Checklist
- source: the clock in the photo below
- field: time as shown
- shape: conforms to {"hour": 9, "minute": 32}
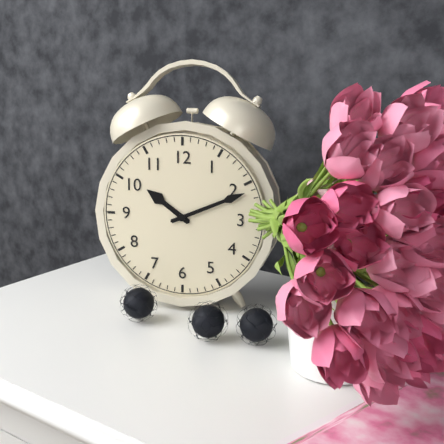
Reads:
{"hour": 10, "minute": 11}
